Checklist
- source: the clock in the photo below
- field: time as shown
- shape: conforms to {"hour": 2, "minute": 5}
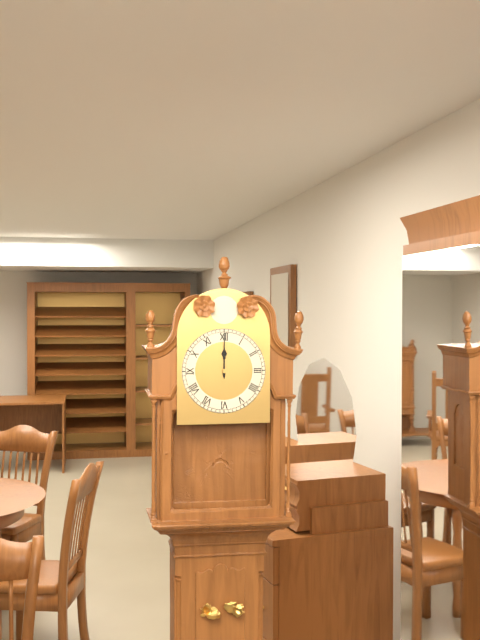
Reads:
{"hour": 12, "minute": 0}
